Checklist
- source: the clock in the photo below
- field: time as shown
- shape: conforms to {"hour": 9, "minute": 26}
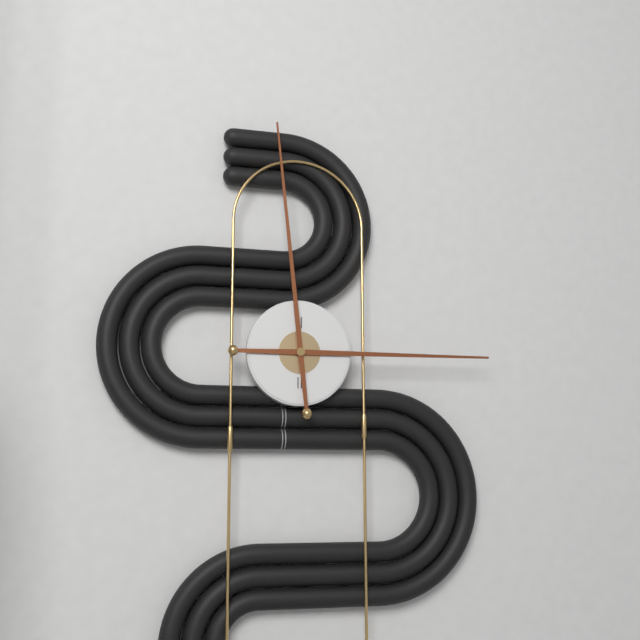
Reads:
{"hour": 2, "minute": 59}
